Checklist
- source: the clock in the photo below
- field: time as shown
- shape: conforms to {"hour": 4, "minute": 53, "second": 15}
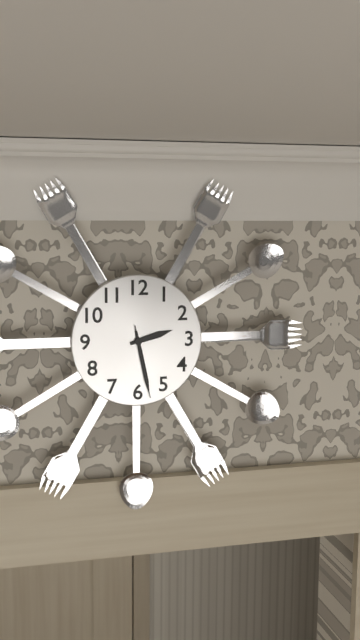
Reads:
{"hour": 2, "minute": 28, "second": 28}
